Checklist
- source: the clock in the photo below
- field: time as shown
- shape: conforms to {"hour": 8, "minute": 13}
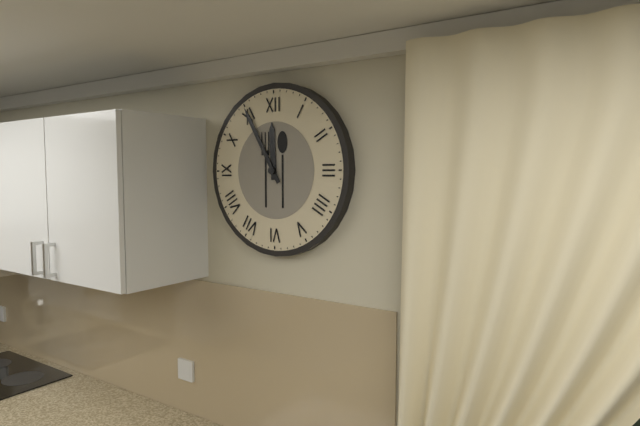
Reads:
{"hour": 11, "minute": 55}
